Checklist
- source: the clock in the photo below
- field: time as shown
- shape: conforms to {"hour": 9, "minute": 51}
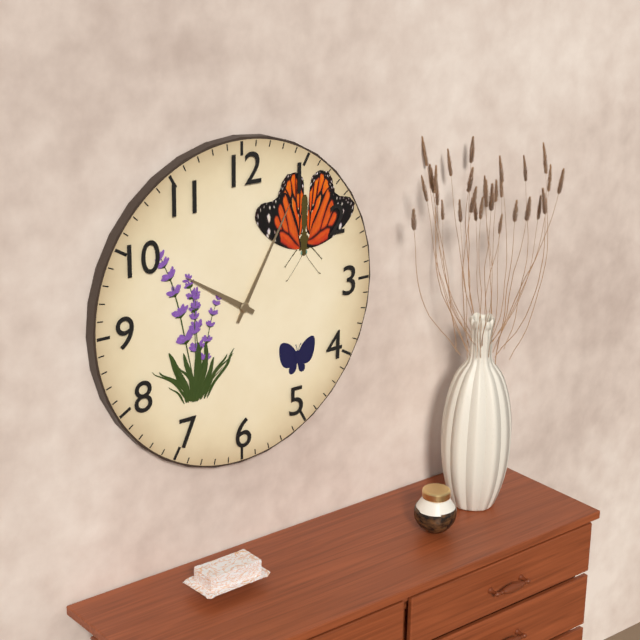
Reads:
{"hour": 10, "minute": 5}
